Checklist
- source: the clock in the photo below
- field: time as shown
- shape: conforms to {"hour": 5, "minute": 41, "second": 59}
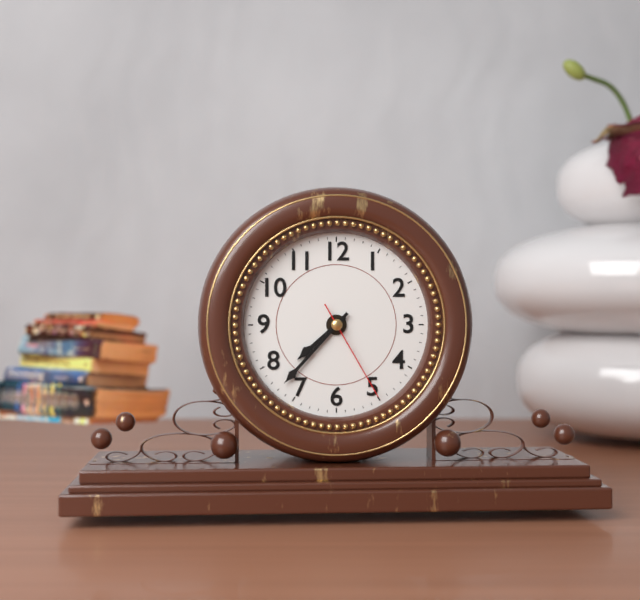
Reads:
{"hour": 7, "minute": 37, "second": 25}
